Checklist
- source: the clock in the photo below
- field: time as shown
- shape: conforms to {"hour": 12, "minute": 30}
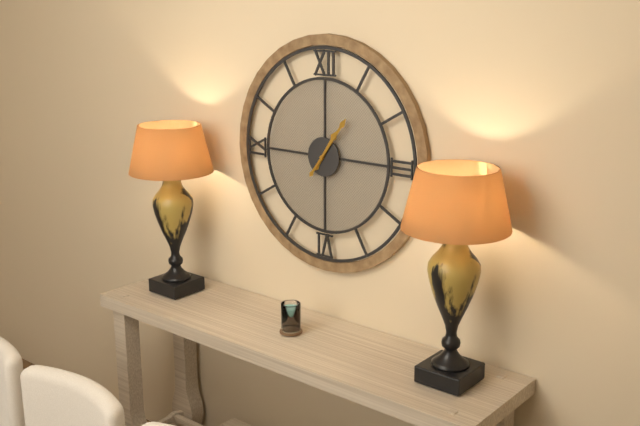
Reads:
{"hour": 1, "minute": 6}
